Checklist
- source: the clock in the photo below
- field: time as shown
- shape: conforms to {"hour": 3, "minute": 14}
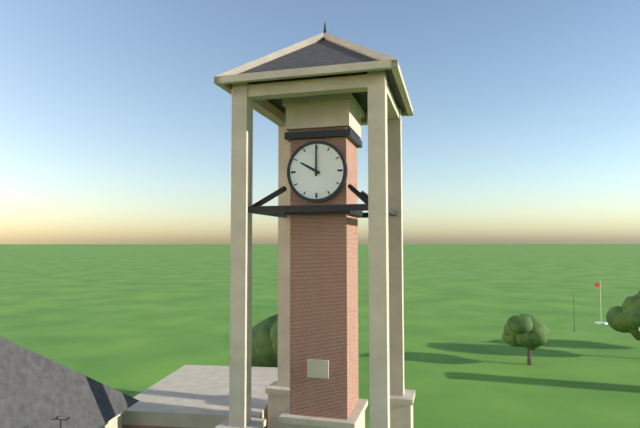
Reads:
{"hour": 10, "minute": 0}
